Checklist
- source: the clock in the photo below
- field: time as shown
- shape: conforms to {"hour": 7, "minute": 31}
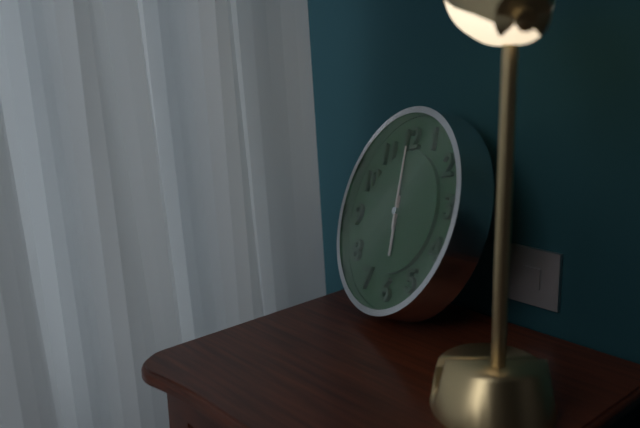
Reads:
{"hour": 6, "minute": 0}
